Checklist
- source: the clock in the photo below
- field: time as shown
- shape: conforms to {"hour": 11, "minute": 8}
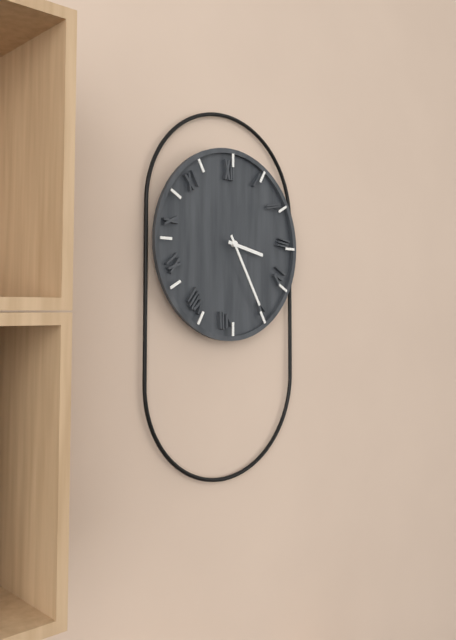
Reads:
{"hour": 3, "minute": 25}
